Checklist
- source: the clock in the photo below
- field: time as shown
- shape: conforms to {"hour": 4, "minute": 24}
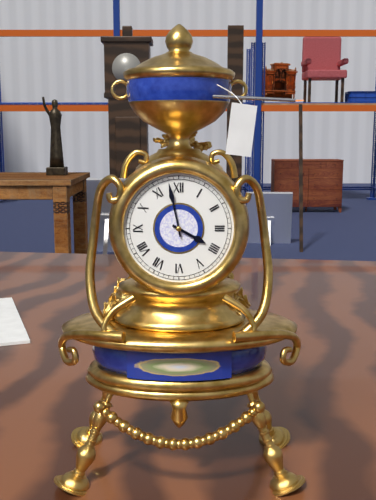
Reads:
{"hour": 3, "minute": 58}
